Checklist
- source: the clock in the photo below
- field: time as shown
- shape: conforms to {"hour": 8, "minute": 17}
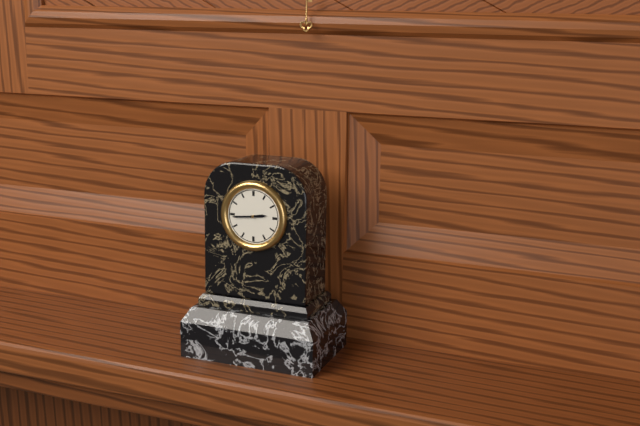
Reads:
{"hour": 2, "minute": 44}
